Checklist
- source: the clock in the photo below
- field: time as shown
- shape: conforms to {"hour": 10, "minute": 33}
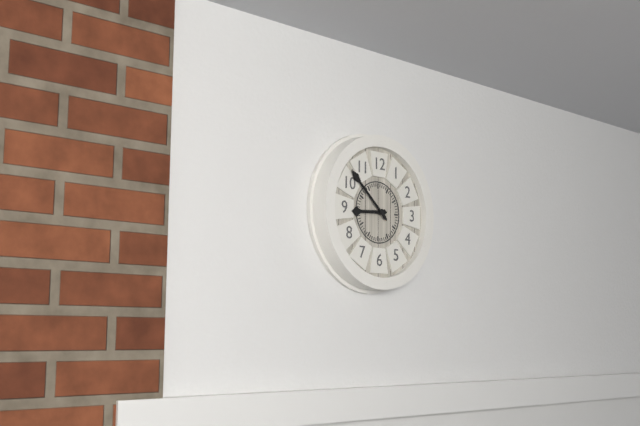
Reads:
{"hour": 8, "minute": 52}
